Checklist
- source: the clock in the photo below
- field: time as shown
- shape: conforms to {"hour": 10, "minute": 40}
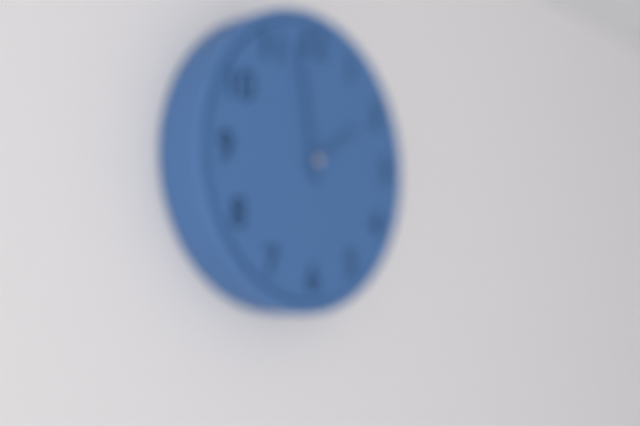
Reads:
{"hour": 1, "minute": 58}
